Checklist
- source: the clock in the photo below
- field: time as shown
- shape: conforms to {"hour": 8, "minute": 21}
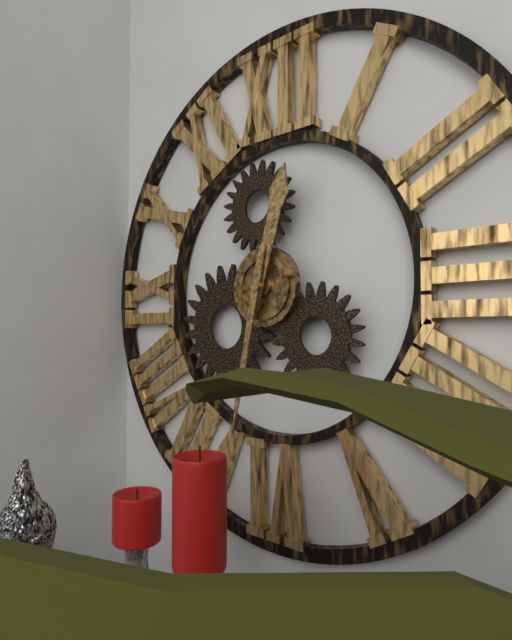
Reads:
{"hour": 12, "minute": 32}
